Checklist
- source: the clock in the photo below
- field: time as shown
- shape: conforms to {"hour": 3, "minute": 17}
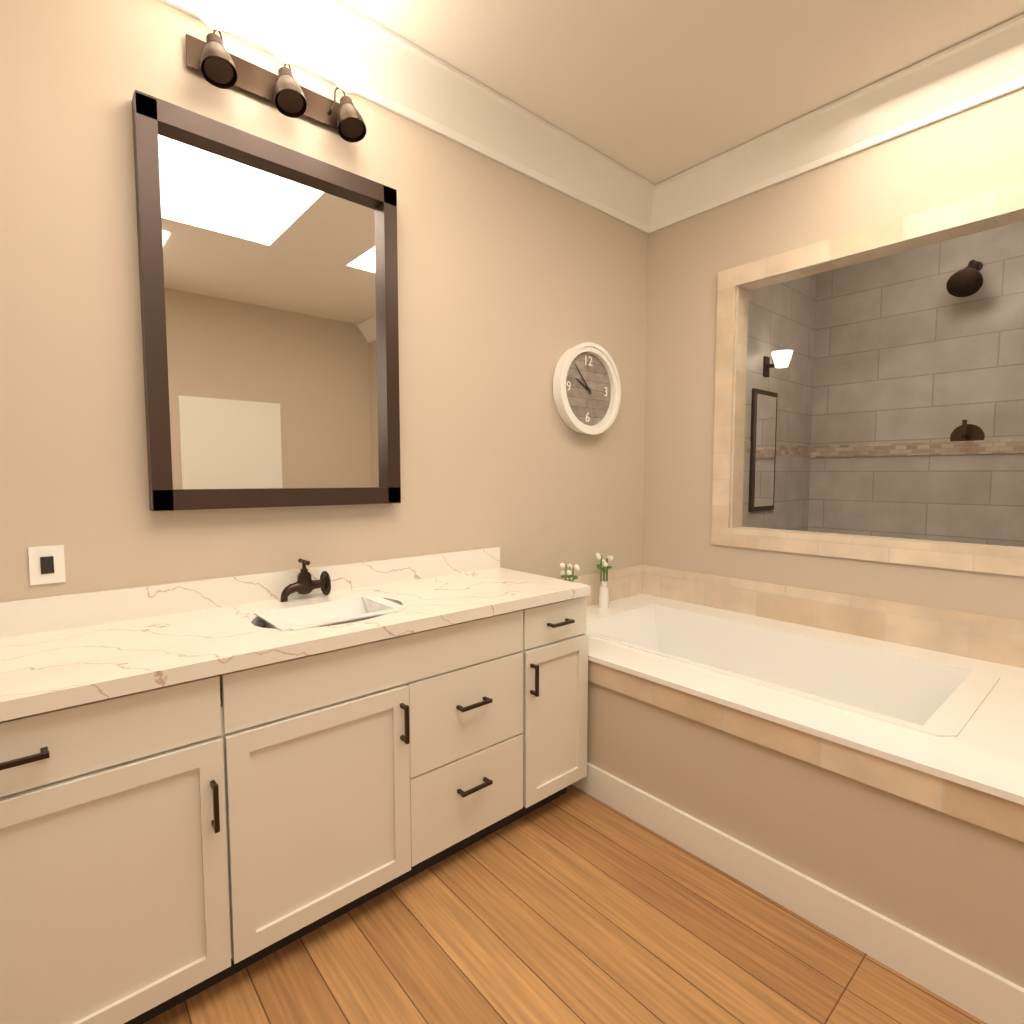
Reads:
{"hour": 9, "minute": 53}
